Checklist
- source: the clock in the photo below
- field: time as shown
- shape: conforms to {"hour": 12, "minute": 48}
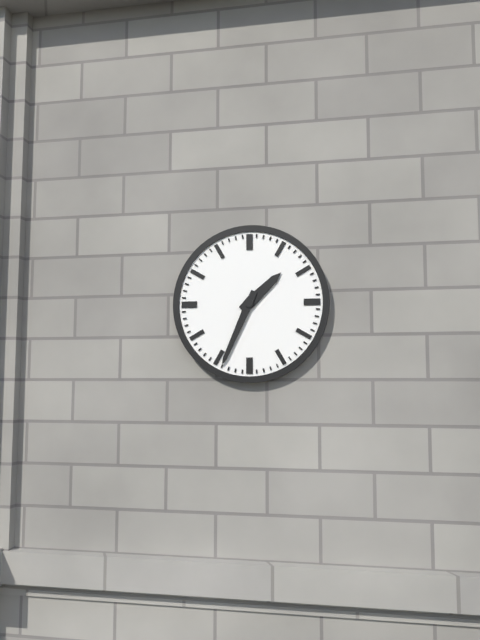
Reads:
{"hour": 1, "minute": 34}
